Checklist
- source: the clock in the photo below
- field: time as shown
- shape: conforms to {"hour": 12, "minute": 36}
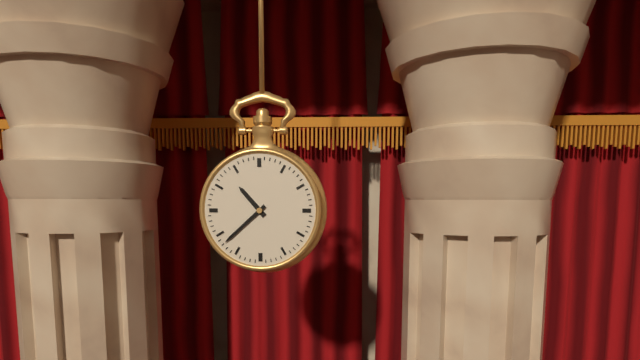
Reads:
{"hour": 10, "minute": 38}
